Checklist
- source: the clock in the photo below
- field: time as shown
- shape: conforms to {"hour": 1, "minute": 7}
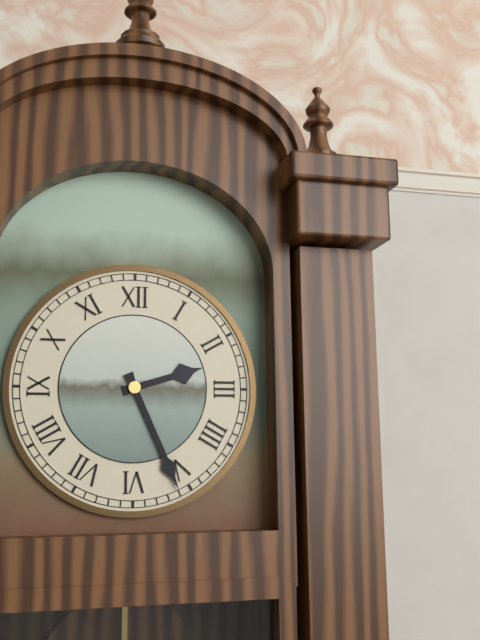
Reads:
{"hour": 2, "minute": 26}
